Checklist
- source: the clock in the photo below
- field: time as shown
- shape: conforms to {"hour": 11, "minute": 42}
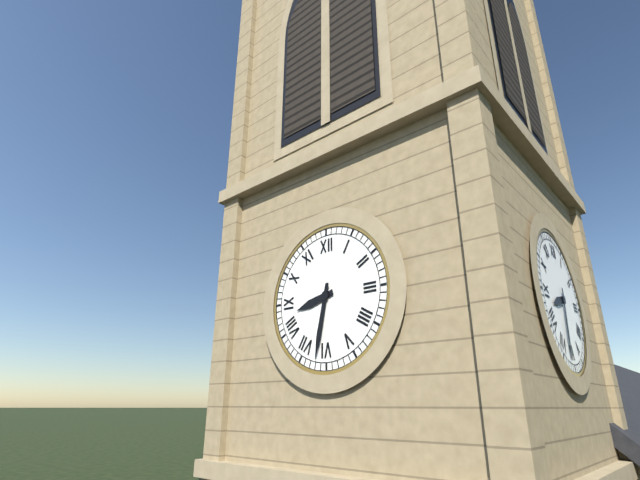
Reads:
{"hour": 8, "minute": 32}
